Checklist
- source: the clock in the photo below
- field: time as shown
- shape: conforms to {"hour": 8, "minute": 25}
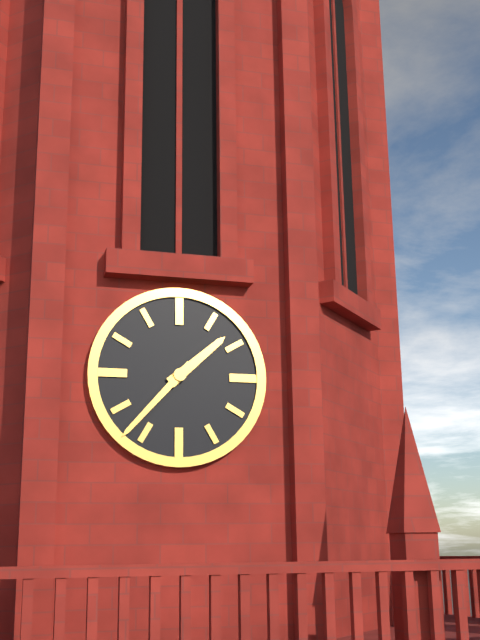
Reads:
{"hour": 1, "minute": 37}
